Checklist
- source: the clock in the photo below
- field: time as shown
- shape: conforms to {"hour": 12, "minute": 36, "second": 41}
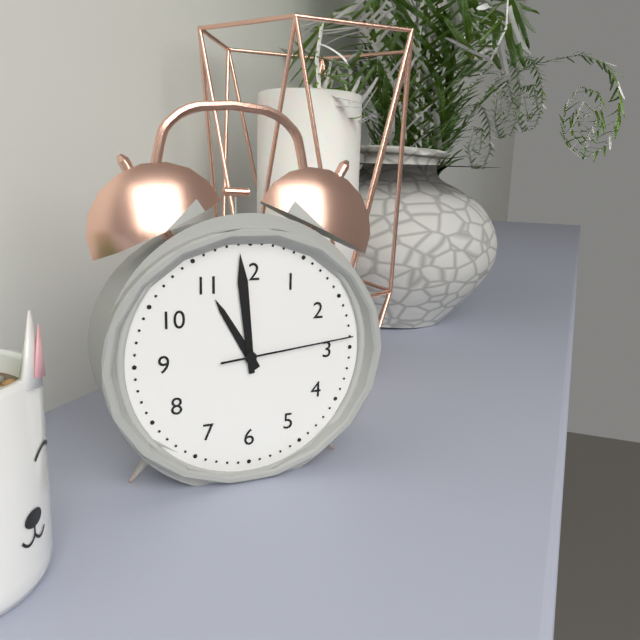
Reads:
{"hour": 10, "minute": 59, "second": 14}
